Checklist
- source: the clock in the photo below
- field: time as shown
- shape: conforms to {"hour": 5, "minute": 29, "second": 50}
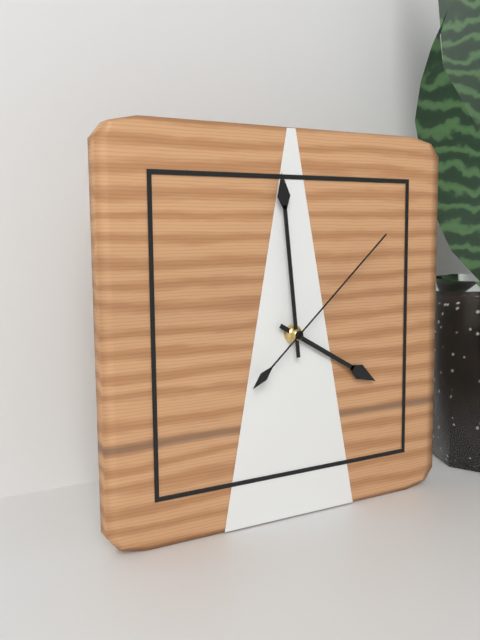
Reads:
{"hour": 3, "minute": 59, "second": 8}
